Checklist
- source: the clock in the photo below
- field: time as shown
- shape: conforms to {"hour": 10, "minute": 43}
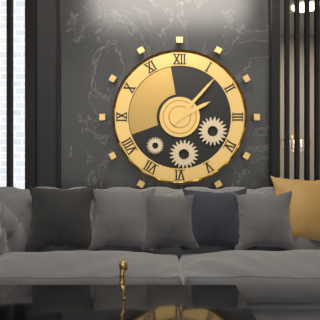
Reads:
{"hour": 2, "minute": 7}
